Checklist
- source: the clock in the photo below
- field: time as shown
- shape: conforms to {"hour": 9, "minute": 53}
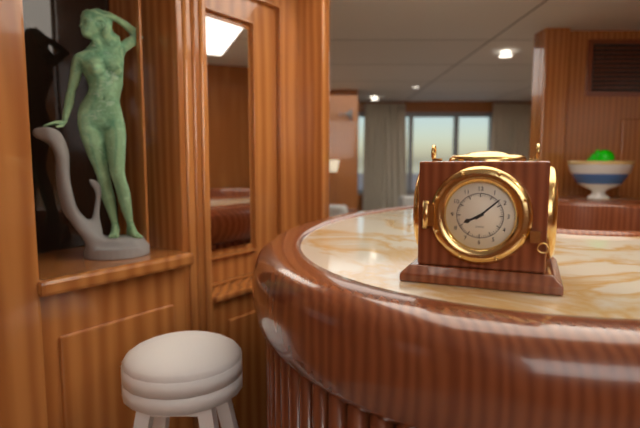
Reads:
{"hour": 8, "minute": 8}
